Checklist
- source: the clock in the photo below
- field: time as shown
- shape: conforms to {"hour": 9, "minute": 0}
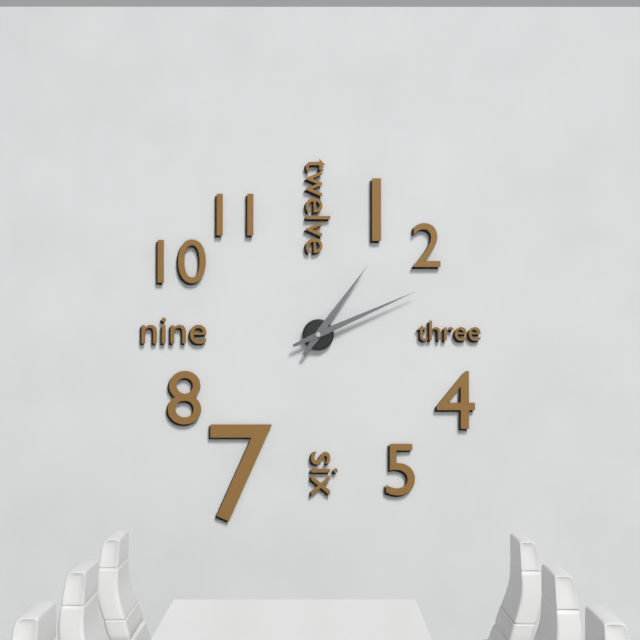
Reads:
{"hour": 1, "minute": 11}
